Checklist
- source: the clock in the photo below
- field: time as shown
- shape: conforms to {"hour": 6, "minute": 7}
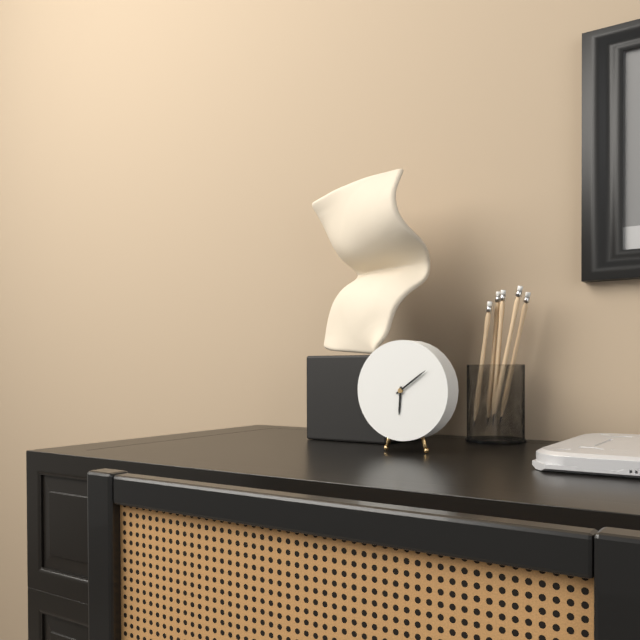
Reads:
{"hour": 6, "minute": 9}
